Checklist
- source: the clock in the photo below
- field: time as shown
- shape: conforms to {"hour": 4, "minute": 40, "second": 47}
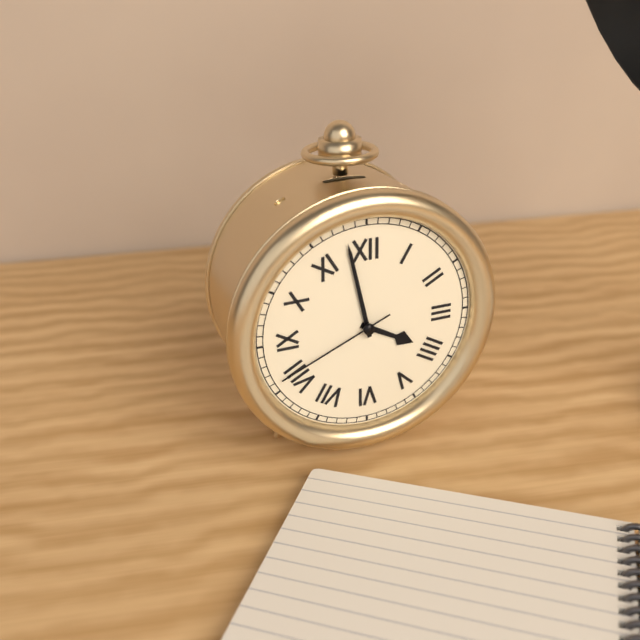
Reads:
{"hour": 3, "minute": 58, "second": 41}
